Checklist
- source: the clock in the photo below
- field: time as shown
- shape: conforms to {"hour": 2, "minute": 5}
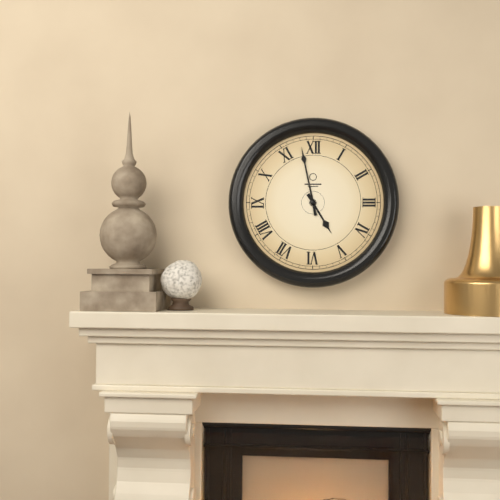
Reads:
{"hour": 4, "minute": 58}
